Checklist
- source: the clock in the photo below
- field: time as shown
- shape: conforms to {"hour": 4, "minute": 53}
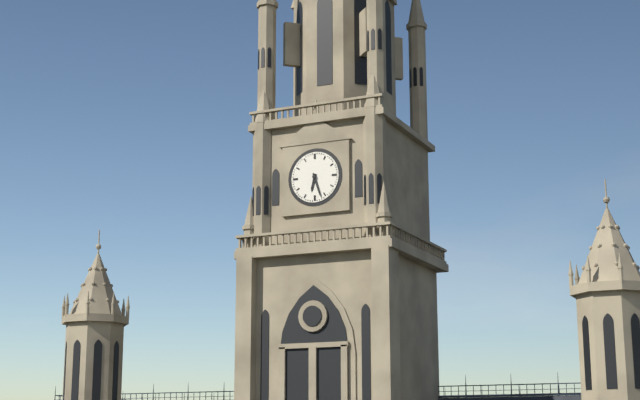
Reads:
{"hour": 6, "minute": 27}
